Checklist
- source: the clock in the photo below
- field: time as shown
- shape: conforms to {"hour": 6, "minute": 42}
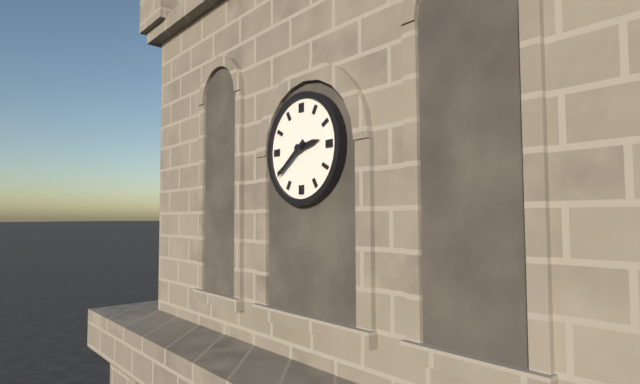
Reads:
{"hour": 2, "minute": 39}
